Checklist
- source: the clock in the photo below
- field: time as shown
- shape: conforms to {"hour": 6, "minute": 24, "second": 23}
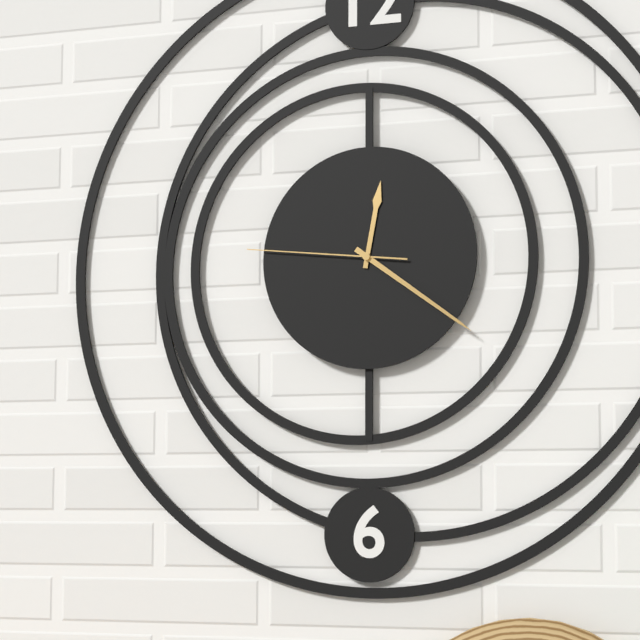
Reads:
{"hour": 12, "minute": 21, "second": 46}
